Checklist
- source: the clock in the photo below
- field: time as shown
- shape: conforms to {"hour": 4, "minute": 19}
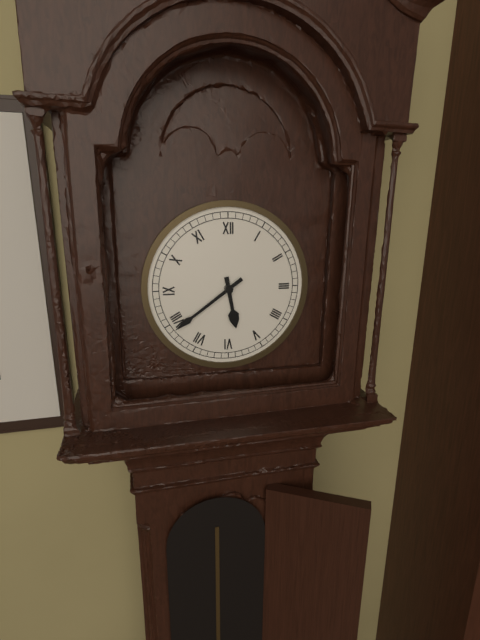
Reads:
{"hour": 5, "minute": 39}
